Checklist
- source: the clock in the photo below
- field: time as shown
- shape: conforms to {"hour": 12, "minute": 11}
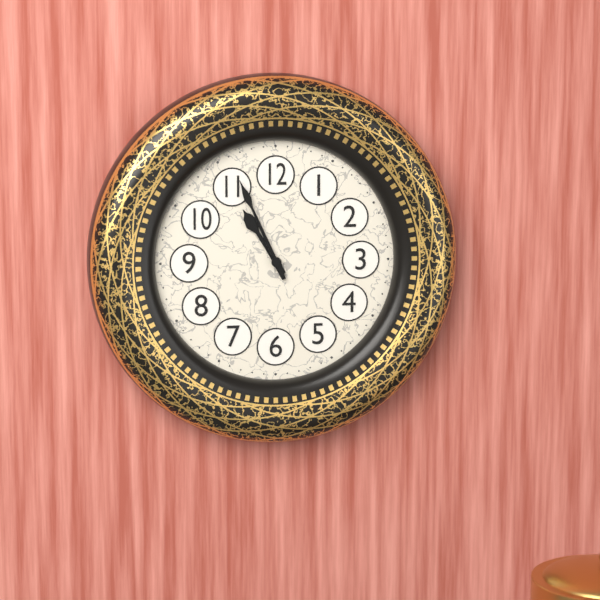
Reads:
{"hour": 10, "minute": 56}
